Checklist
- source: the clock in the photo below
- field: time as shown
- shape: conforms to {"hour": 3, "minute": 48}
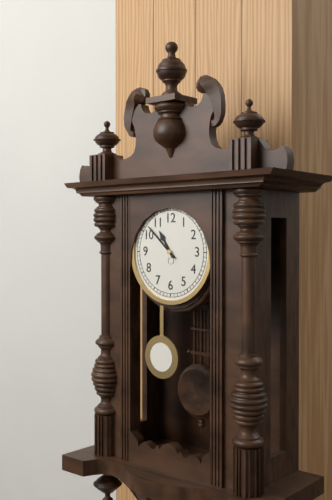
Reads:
{"hour": 10, "minute": 52}
